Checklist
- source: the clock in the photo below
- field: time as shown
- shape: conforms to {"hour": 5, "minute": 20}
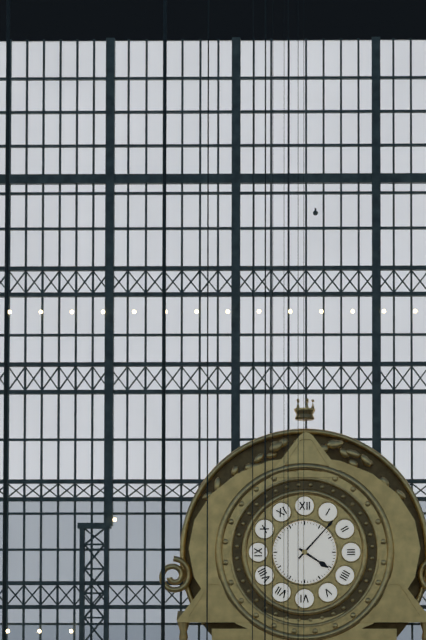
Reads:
{"hour": 4, "minute": 7}
